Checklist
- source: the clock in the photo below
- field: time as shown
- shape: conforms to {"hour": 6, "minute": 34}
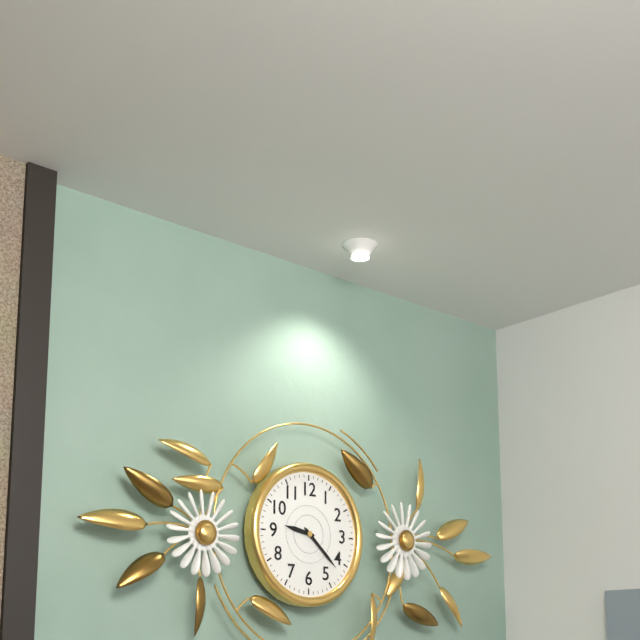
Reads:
{"hour": 9, "minute": 22}
